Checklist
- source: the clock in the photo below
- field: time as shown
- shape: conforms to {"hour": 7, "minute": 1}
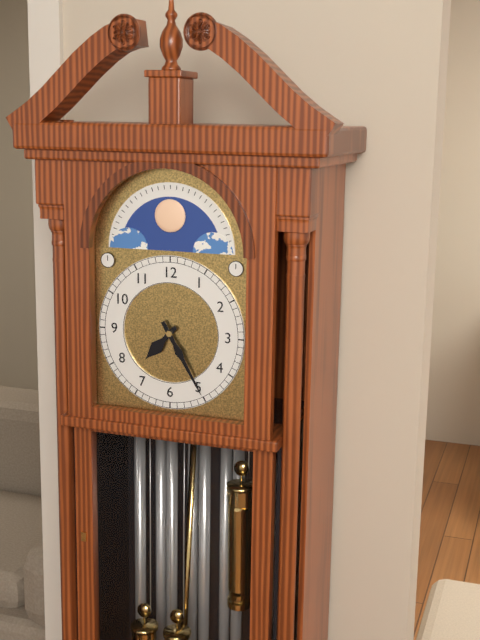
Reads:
{"hour": 7, "minute": 25}
